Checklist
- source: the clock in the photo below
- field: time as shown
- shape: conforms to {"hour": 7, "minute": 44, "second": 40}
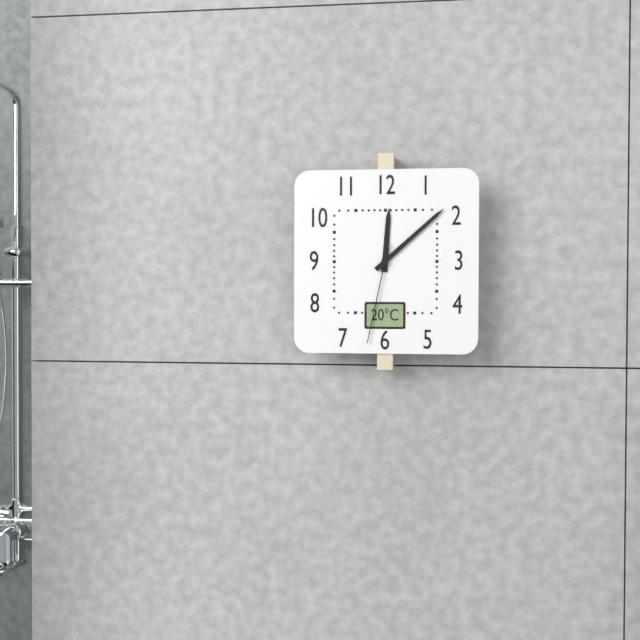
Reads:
{"hour": 12, "minute": 8, "second": 32}
